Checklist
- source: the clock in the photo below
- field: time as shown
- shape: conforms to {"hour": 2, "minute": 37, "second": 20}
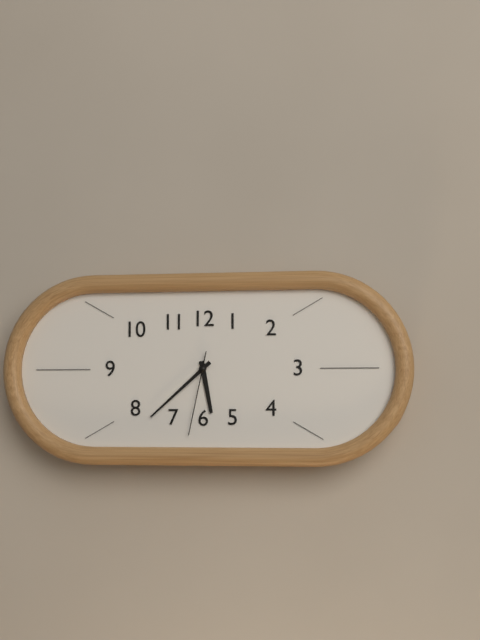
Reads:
{"hour": 5, "minute": 38, "second": 32}
